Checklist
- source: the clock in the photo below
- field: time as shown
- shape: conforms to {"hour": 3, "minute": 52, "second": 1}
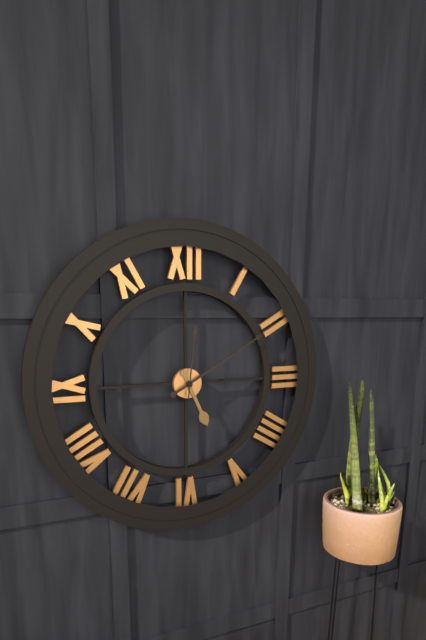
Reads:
{"hour": 5, "minute": 10, "second": 1}
